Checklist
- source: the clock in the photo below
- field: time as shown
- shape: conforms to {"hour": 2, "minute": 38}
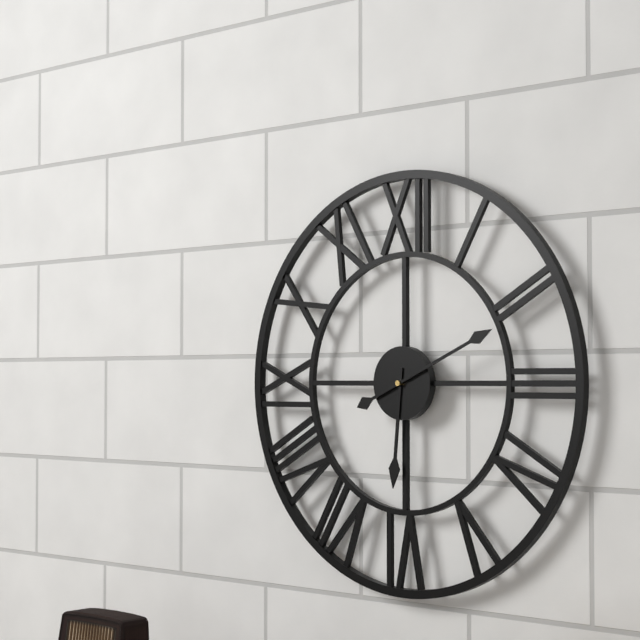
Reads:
{"hour": 6, "minute": 11}
